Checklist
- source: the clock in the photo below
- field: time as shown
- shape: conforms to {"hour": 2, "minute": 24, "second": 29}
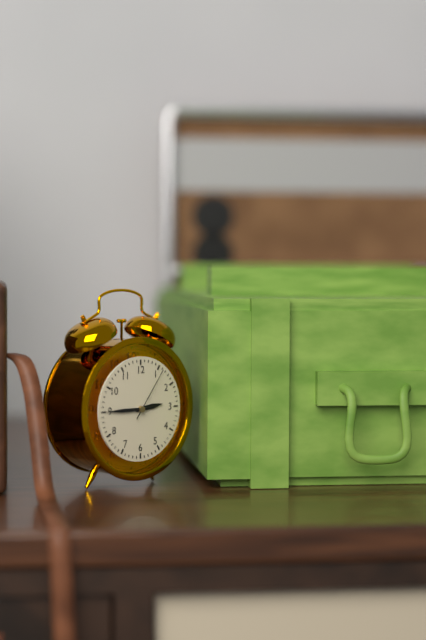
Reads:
{"hour": 2, "minute": 45, "second": 6}
